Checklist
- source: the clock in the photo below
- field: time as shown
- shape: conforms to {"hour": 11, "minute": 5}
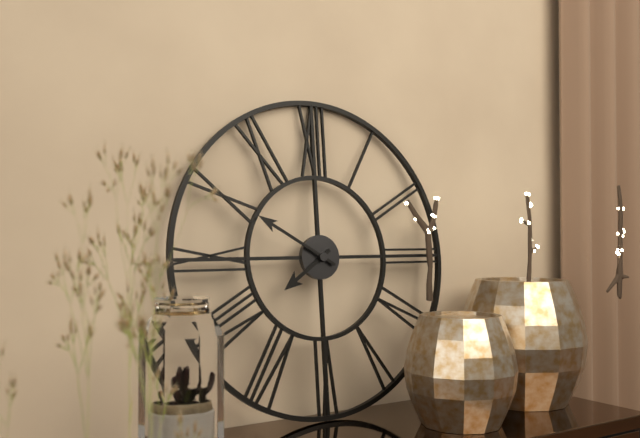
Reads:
{"hour": 7, "minute": 50}
